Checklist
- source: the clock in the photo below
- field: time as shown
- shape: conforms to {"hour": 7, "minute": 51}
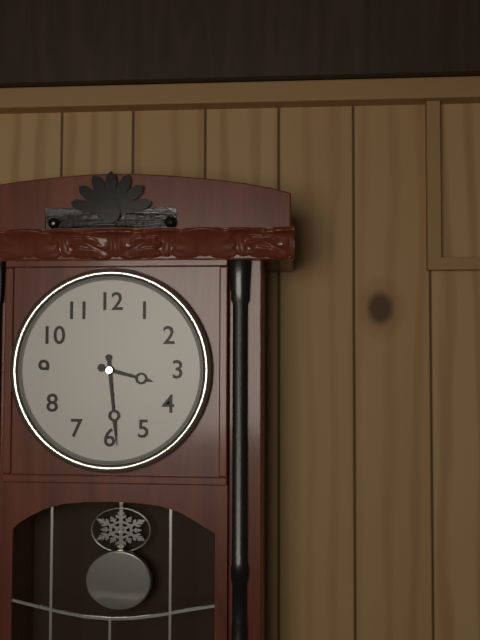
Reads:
{"hour": 3, "minute": 29}
